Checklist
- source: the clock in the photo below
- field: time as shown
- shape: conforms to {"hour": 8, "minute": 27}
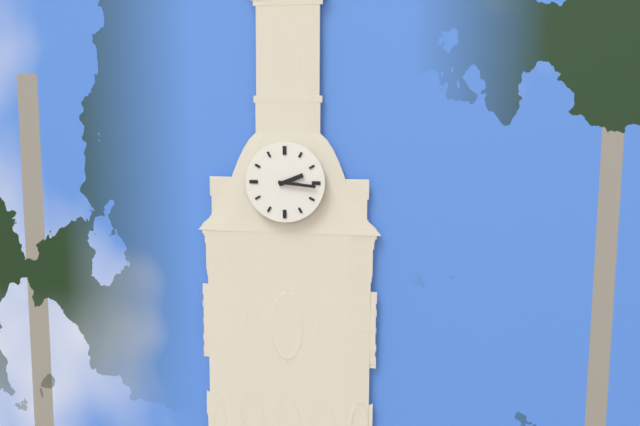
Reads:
{"hour": 2, "minute": 16}
